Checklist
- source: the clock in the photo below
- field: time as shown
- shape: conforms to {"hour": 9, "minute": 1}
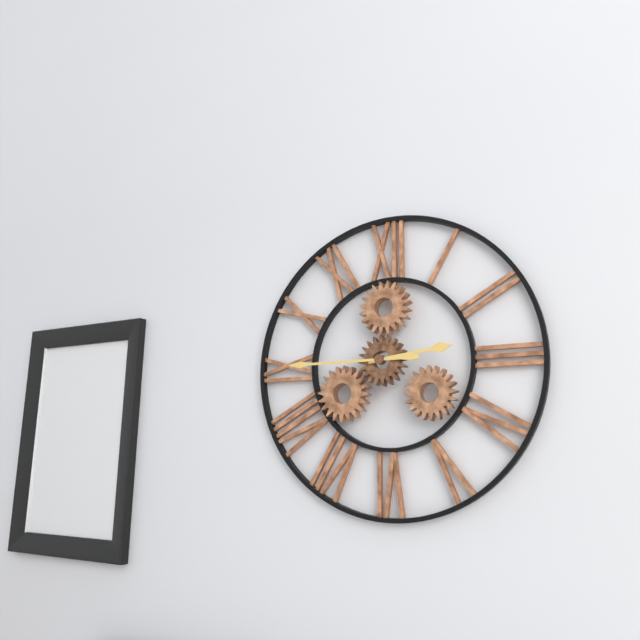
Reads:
{"hour": 2, "minute": 45}
